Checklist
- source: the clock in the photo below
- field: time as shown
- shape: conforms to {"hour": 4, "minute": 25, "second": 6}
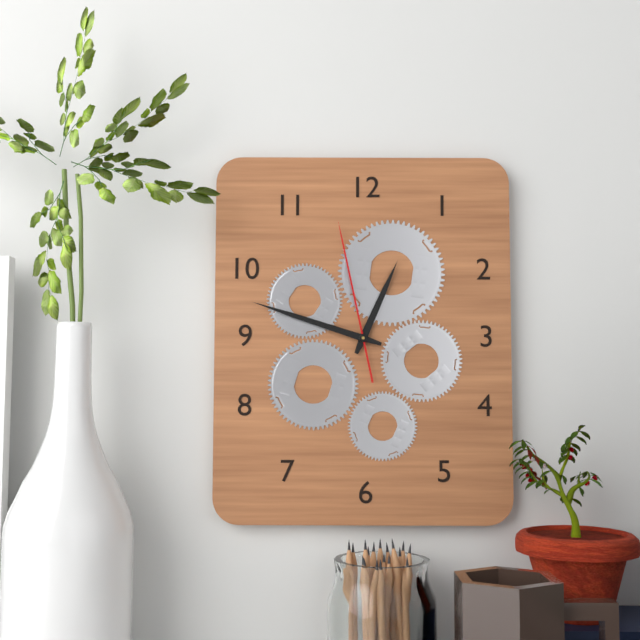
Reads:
{"hour": 12, "minute": 48, "second": 58}
